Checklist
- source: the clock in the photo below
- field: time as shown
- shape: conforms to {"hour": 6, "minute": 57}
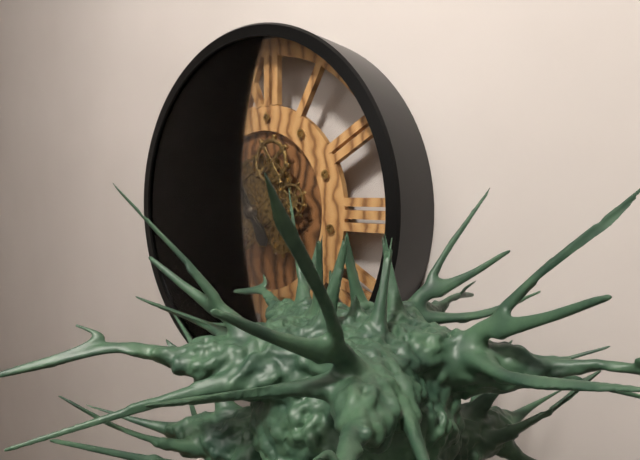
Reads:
{"hour": 10, "minute": 54}
